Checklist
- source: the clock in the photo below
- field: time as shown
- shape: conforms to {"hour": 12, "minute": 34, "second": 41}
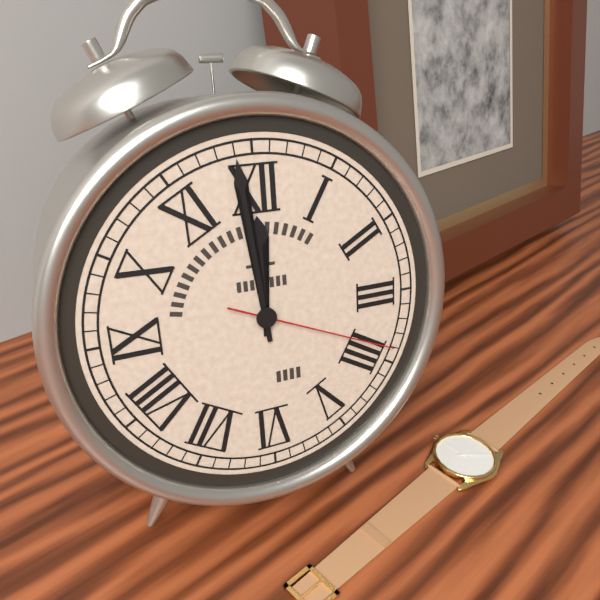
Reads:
{"hour": 11, "minute": 59, "second": 19}
